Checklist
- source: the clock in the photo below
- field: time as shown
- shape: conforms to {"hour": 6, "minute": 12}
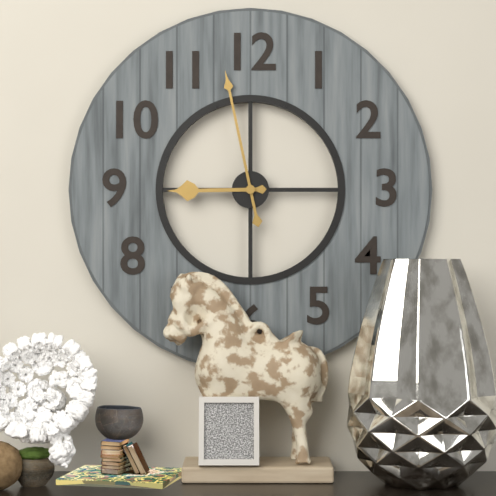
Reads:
{"hour": 8, "minute": 58}
